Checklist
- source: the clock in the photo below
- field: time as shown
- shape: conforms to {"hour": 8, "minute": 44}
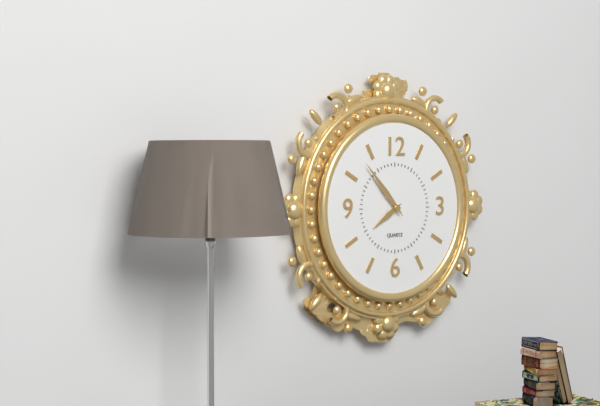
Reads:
{"hour": 7, "minute": 53}
